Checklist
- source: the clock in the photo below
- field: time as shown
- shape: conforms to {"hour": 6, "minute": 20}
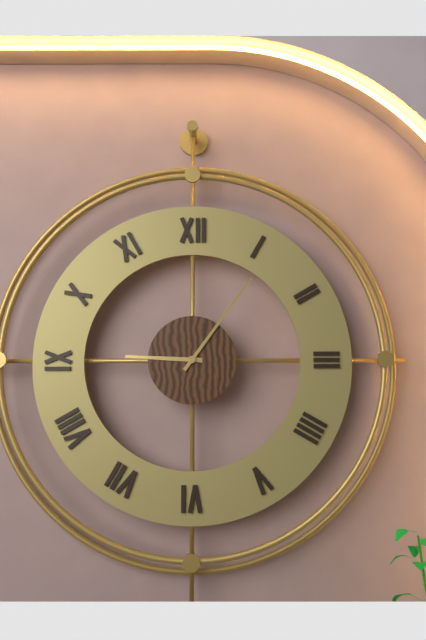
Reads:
{"hour": 9, "minute": 6}
